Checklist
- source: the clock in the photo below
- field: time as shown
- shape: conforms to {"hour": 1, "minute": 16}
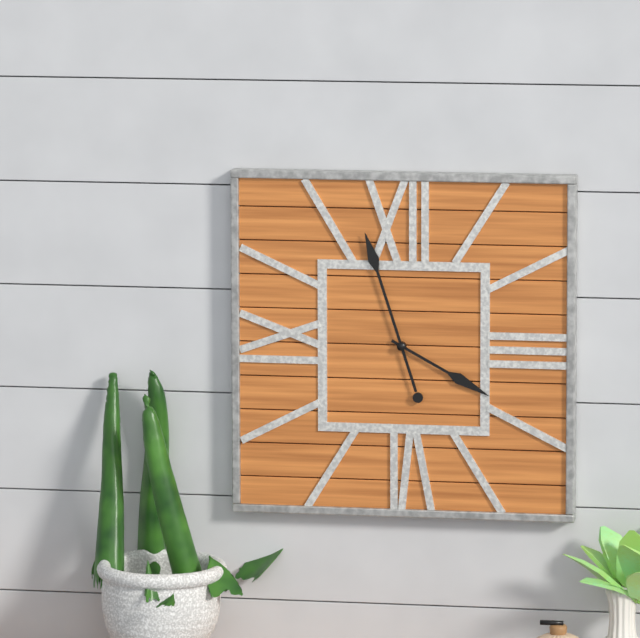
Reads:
{"hour": 3, "minute": 57}
